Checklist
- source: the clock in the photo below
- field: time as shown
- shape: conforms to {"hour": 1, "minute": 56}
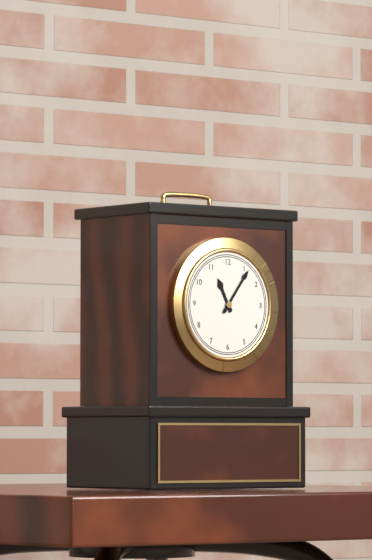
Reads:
{"hour": 11, "minute": 6}
